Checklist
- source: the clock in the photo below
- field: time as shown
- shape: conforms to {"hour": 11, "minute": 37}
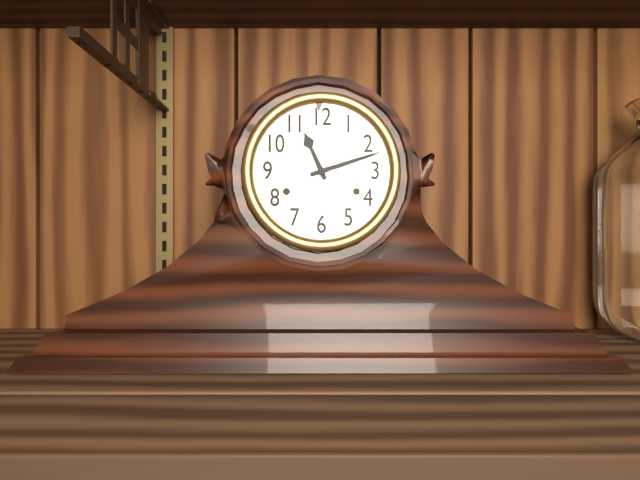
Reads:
{"hour": 11, "minute": 12}
